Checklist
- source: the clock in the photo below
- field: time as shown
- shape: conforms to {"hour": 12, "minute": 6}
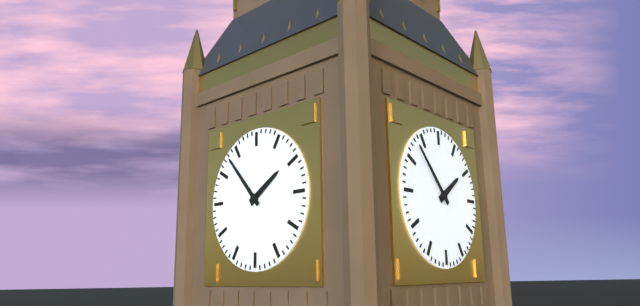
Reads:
{"hour": 1, "minute": 53}
